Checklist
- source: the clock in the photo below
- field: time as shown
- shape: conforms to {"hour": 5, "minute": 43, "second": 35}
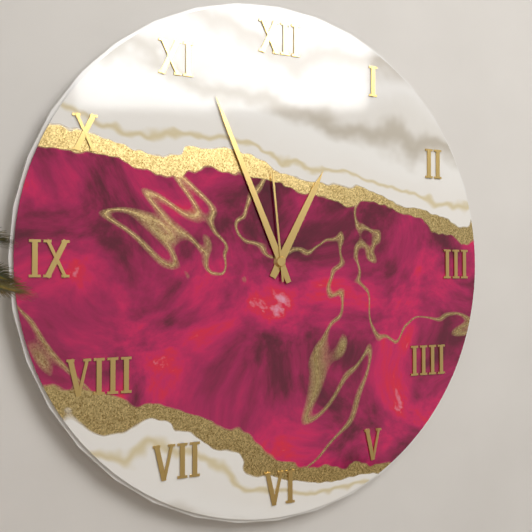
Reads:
{"hour": 12, "minute": 56, "second": 59}
